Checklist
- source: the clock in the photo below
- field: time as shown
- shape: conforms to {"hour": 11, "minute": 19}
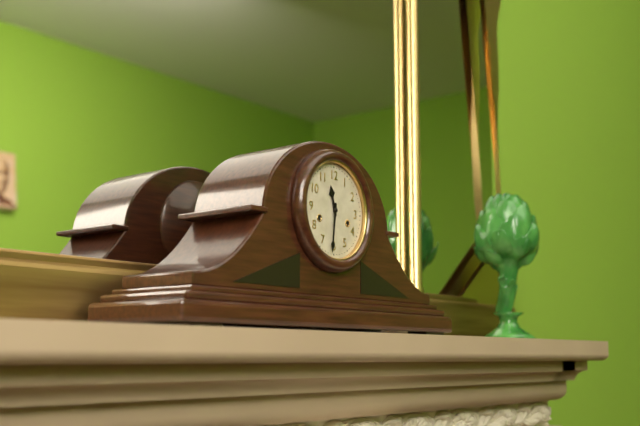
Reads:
{"hour": 11, "minute": 31}
